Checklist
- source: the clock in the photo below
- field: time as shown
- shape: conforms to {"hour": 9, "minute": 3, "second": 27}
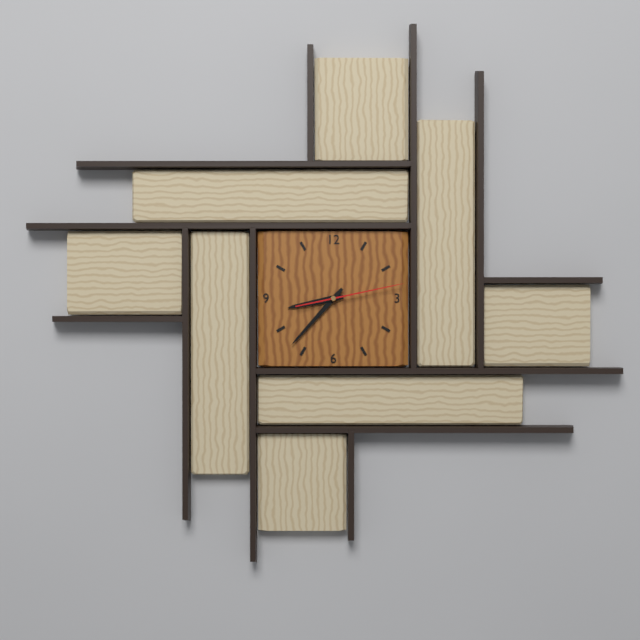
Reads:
{"hour": 8, "minute": 37, "second": 13}
